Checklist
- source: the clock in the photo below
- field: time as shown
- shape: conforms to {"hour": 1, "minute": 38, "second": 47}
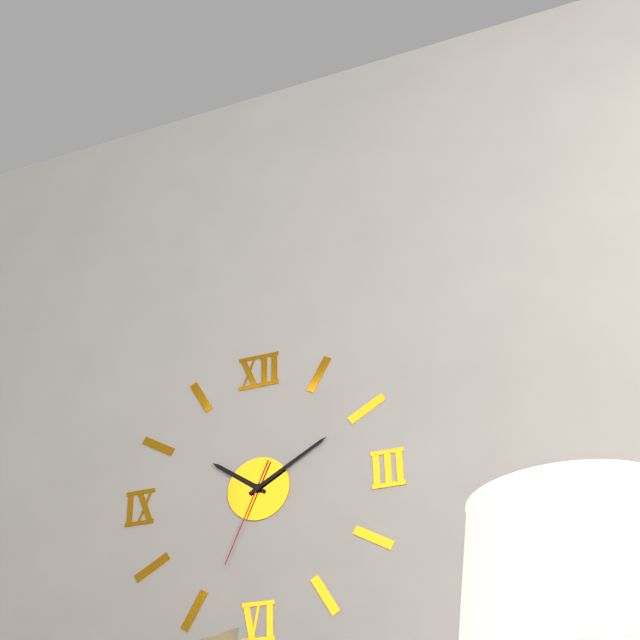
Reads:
{"hour": 10, "minute": 10, "second": 34}
